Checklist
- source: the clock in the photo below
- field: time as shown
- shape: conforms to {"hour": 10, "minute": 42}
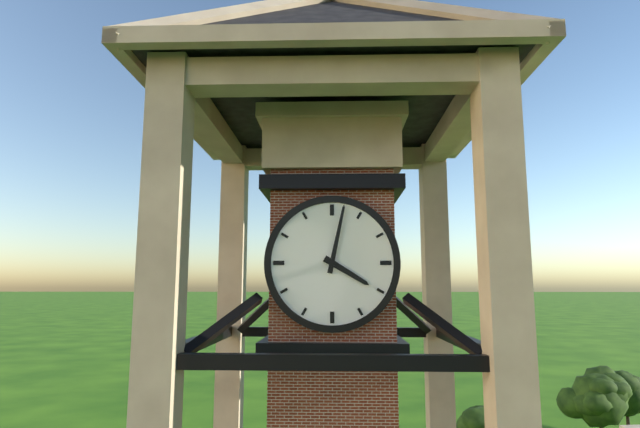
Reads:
{"hour": 4, "minute": 2}
